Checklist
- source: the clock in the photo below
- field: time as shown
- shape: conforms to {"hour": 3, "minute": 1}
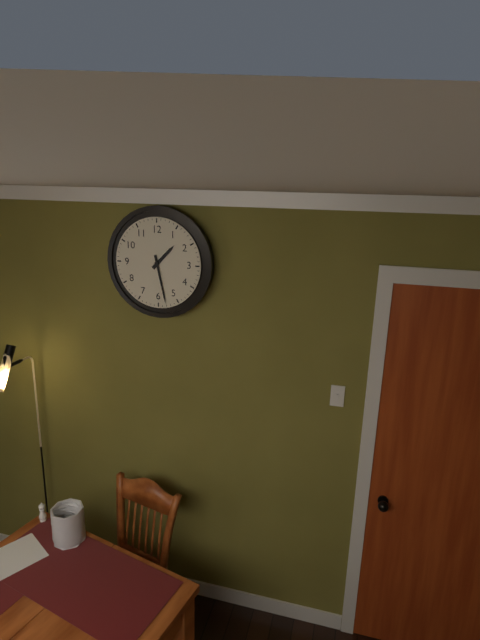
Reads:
{"hour": 1, "minute": 28}
